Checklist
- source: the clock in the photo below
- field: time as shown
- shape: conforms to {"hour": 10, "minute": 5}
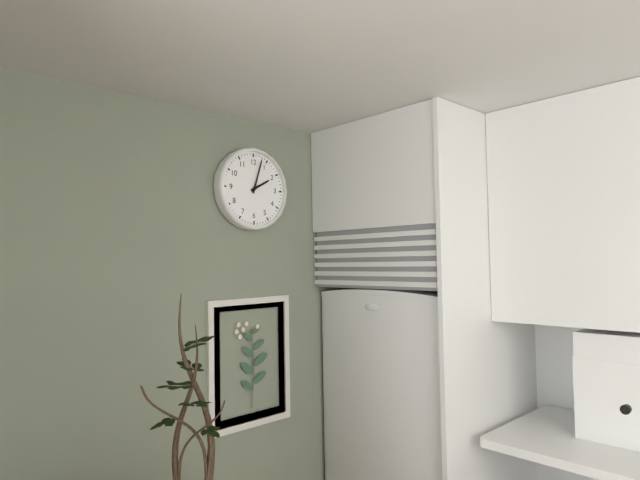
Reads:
{"hour": 2, "minute": 3}
